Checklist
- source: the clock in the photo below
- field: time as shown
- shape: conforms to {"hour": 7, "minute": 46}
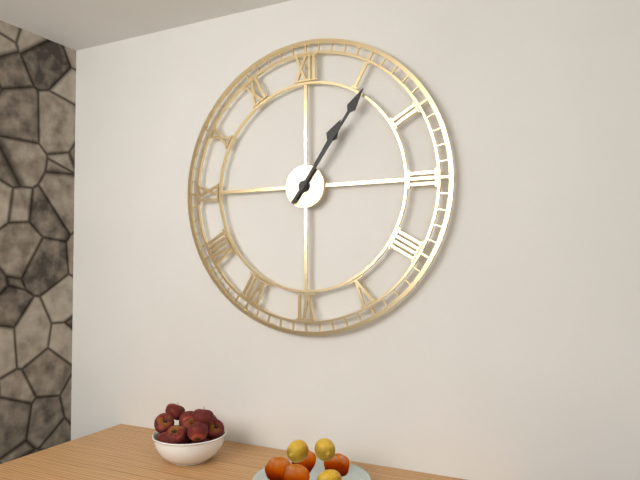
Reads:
{"hour": 1, "minute": 6}
